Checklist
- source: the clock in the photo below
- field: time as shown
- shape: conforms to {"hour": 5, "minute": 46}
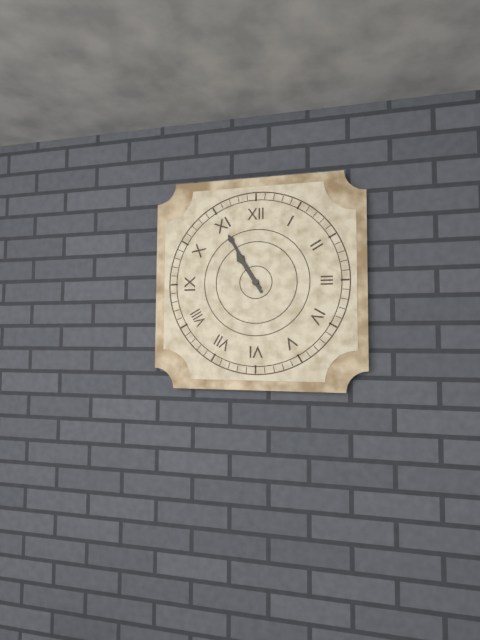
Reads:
{"hour": 10, "minute": 55}
